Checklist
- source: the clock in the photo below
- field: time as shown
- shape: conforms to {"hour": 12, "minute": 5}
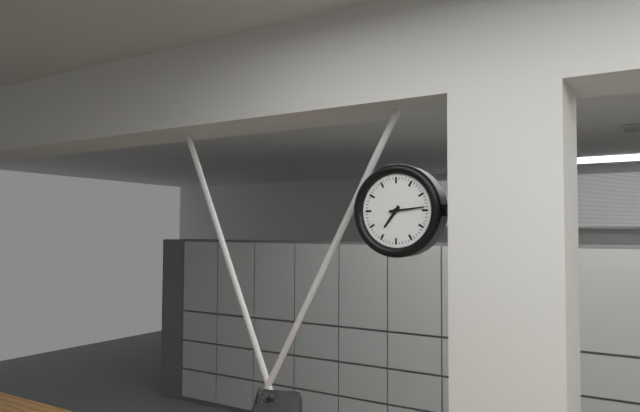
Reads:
{"hour": 7, "minute": 14}
